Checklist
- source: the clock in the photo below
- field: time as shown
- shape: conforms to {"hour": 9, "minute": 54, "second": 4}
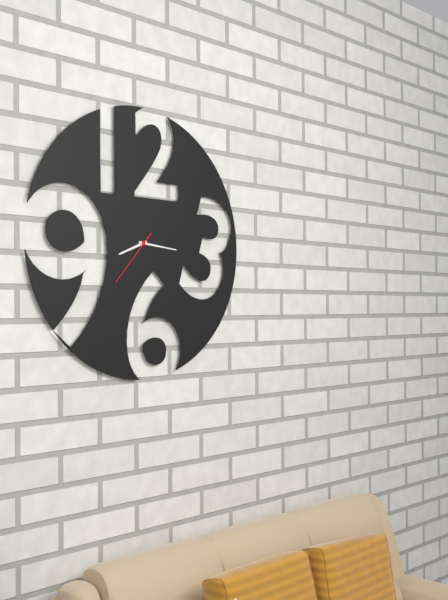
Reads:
{"hour": 8, "minute": 16, "second": 37}
